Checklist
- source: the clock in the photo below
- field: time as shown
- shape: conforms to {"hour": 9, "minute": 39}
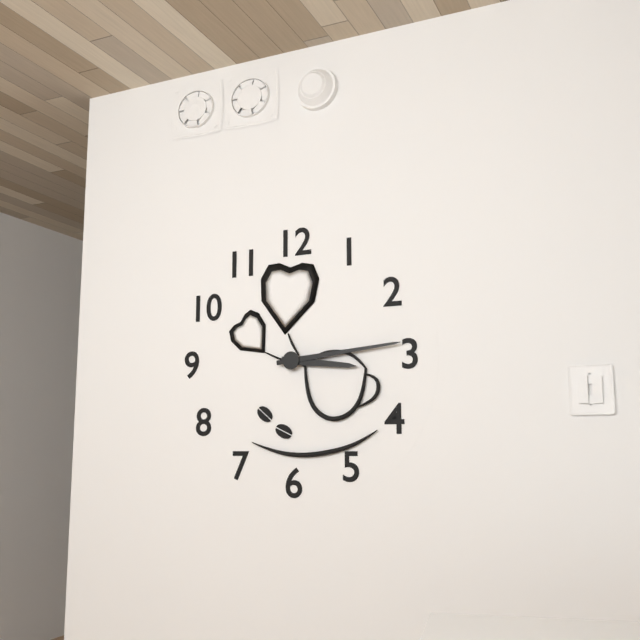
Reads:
{"hour": 3, "minute": 14}
